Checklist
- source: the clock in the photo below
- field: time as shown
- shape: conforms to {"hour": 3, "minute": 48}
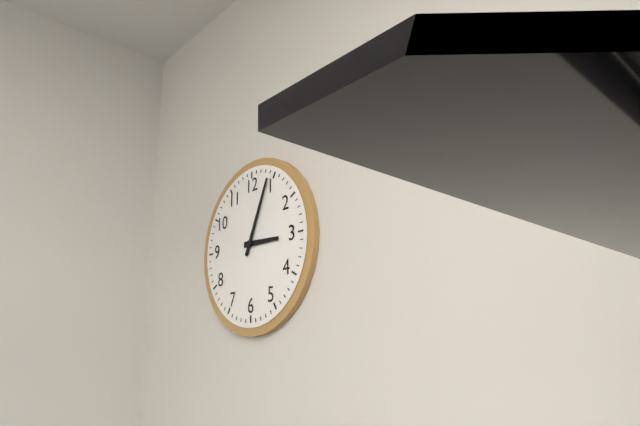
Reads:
{"hour": 3, "minute": 4}
